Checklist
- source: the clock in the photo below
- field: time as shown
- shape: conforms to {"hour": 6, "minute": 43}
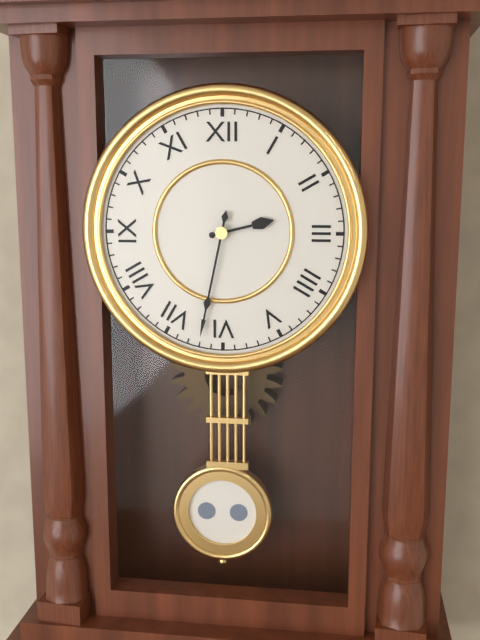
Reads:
{"hour": 2, "minute": 32}
